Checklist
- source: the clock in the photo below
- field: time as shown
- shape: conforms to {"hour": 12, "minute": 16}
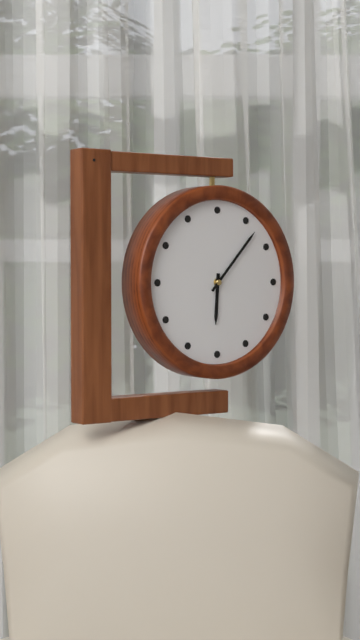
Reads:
{"hour": 6, "minute": 7}
